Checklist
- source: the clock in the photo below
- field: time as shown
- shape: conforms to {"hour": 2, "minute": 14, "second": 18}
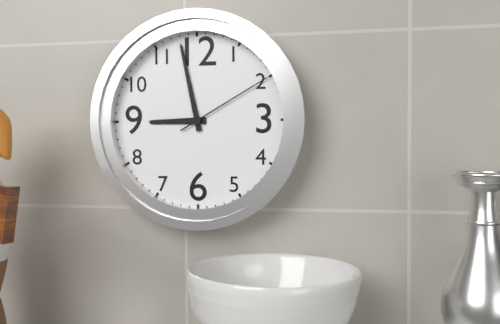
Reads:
{"hour": 8, "minute": 58, "second": 10}
